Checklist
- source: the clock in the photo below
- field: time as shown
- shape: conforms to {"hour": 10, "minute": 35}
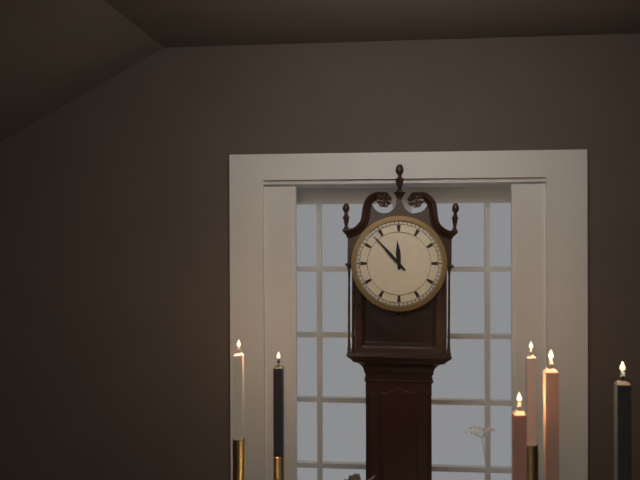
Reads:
{"hour": 11, "minute": 53}
